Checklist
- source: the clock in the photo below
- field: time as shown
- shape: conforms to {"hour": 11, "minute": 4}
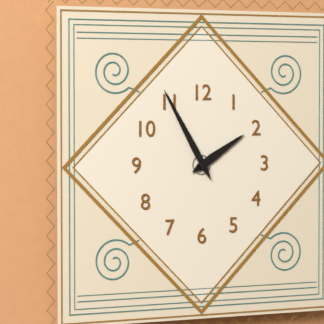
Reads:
{"hour": 1, "minute": 55}
